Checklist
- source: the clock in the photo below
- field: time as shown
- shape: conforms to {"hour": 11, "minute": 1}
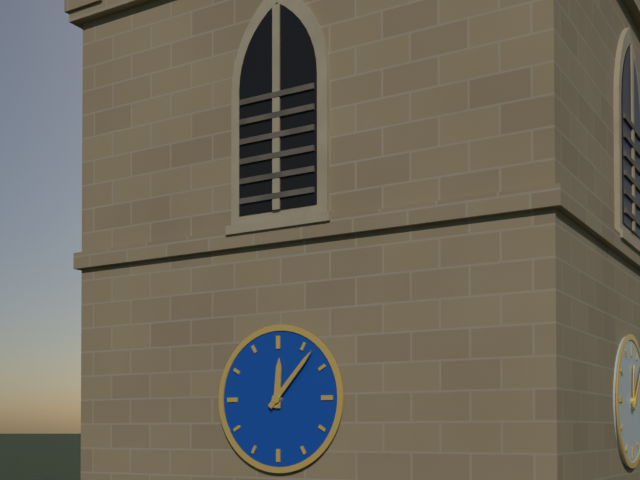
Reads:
{"hour": 12, "minute": 7}
